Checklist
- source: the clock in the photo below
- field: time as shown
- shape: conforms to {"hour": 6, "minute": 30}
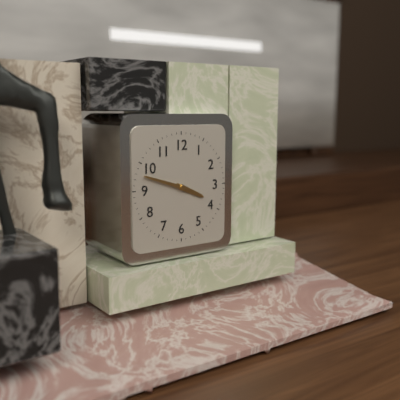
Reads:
{"hour": 3, "minute": 48}
